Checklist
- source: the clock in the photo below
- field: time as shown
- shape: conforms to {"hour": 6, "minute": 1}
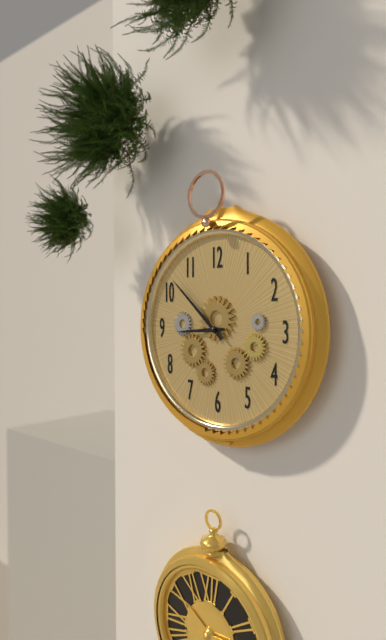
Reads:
{"hour": 8, "minute": 52}
